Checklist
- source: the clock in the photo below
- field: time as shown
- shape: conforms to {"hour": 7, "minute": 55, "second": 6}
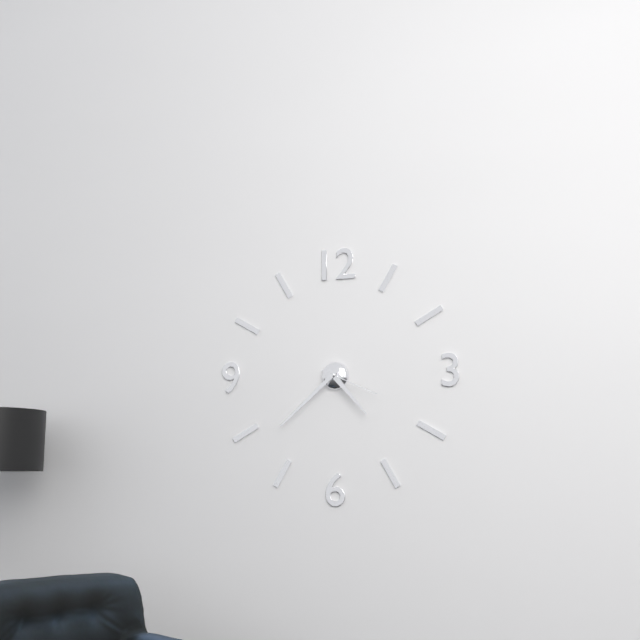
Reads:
{"hour": 4, "minute": 38, "second": 19}
